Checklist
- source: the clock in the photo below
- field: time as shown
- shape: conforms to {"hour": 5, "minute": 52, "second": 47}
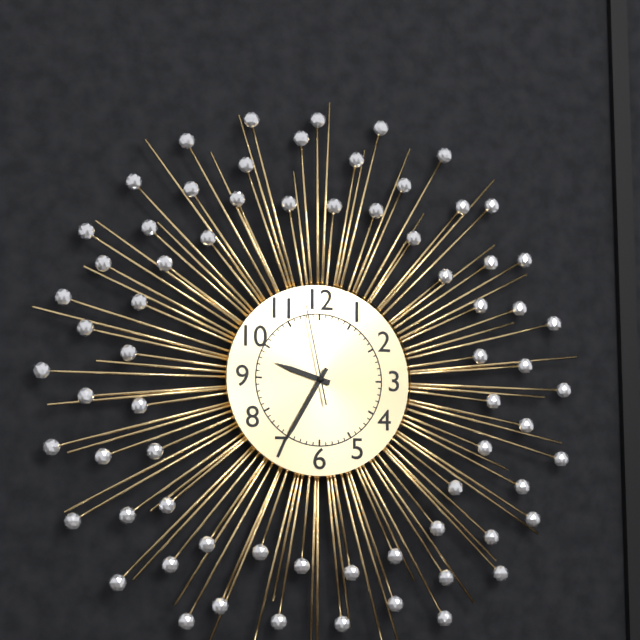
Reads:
{"hour": 9, "minute": 35, "second": 58}
